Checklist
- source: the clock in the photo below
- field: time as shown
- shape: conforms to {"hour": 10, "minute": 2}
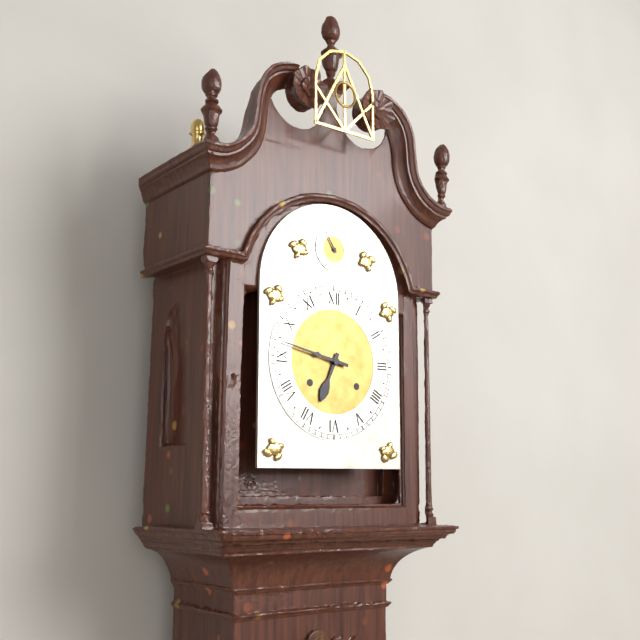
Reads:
{"hour": 6, "minute": 47}
